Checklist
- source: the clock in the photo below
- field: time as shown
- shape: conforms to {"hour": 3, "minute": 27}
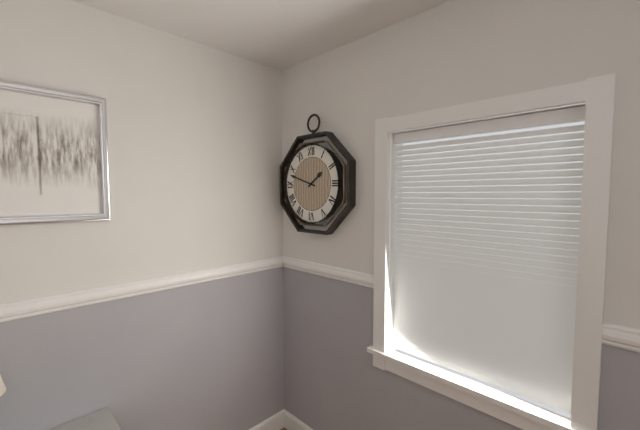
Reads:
{"hour": 1, "minute": 48}
